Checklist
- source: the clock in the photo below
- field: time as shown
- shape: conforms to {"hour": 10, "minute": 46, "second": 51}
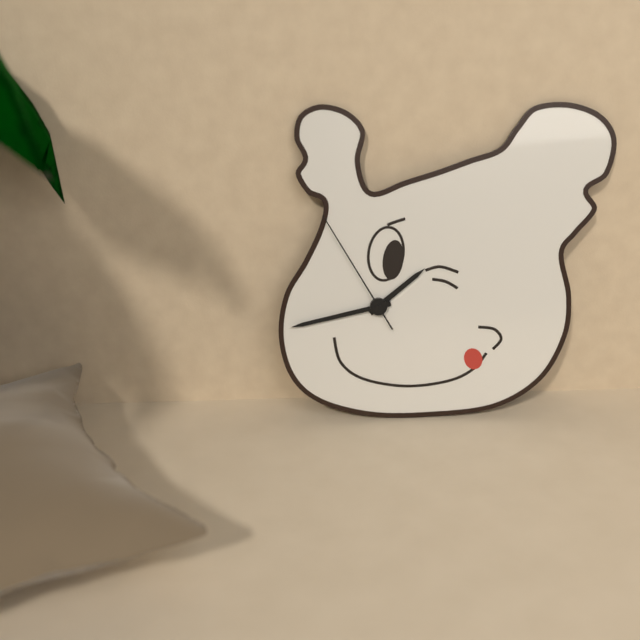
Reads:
{"hour": 1, "minute": 43, "second": 55}
